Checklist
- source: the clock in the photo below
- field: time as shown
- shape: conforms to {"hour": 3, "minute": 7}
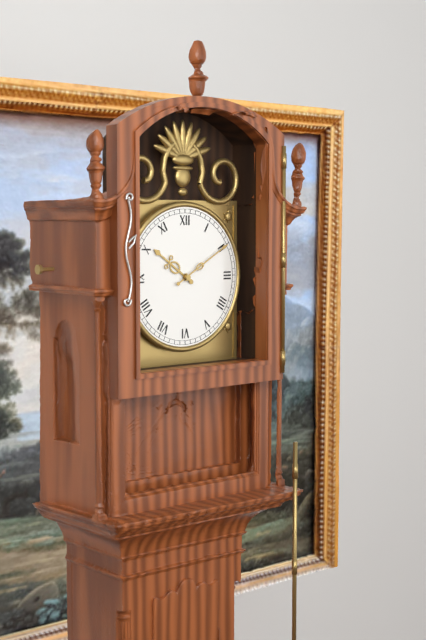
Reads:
{"hour": 10, "minute": 10}
